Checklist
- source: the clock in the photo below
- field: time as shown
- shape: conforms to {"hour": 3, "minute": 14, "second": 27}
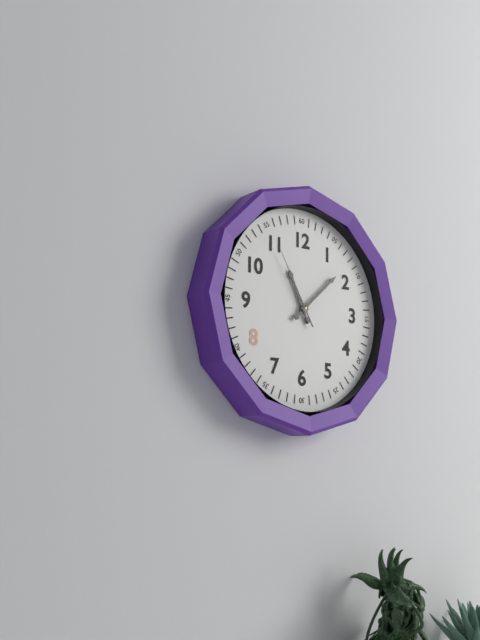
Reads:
{"hour": 11, "minute": 8, "second": 55}
